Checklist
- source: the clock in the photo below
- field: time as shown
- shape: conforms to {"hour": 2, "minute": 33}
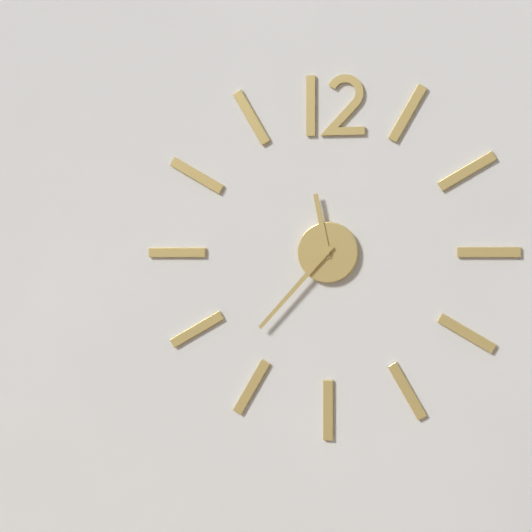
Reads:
{"hour": 11, "minute": 37}
